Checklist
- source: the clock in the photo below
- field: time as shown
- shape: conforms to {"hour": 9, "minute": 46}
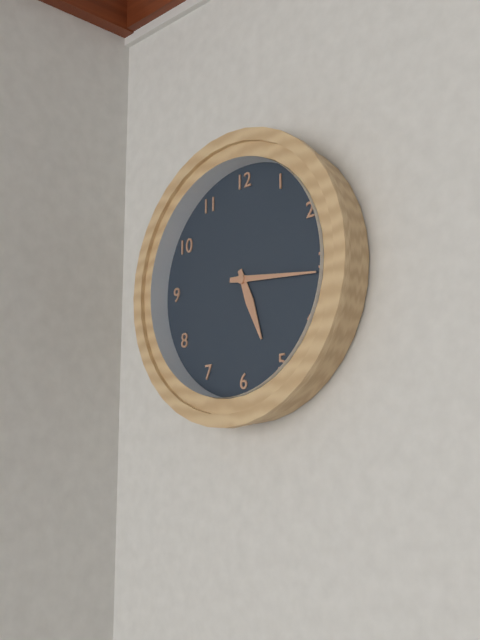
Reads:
{"hour": 5, "minute": 16}
